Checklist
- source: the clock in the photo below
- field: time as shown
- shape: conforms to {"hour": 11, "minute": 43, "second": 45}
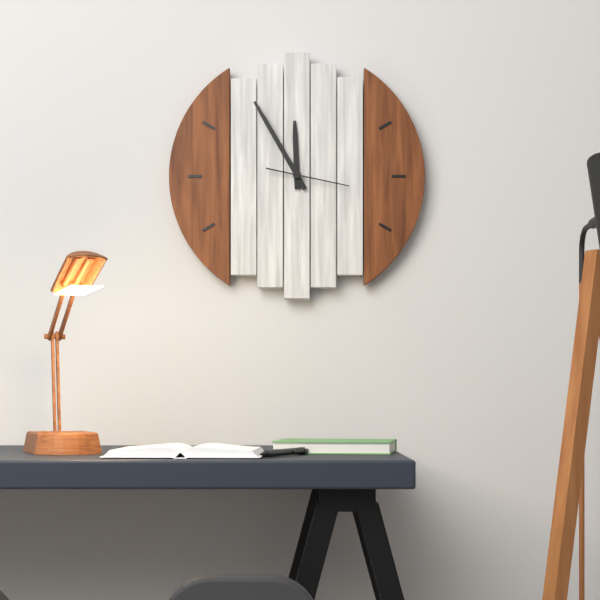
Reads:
{"hour": 11, "minute": 55, "second": 17}
